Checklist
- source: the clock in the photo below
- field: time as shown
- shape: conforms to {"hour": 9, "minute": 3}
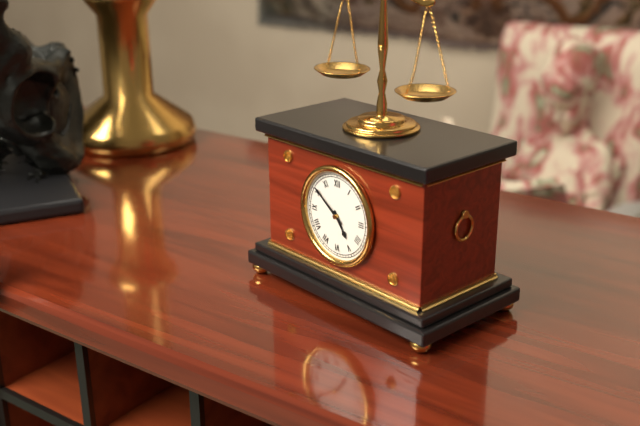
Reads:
{"hour": 4, "minute": 51}
